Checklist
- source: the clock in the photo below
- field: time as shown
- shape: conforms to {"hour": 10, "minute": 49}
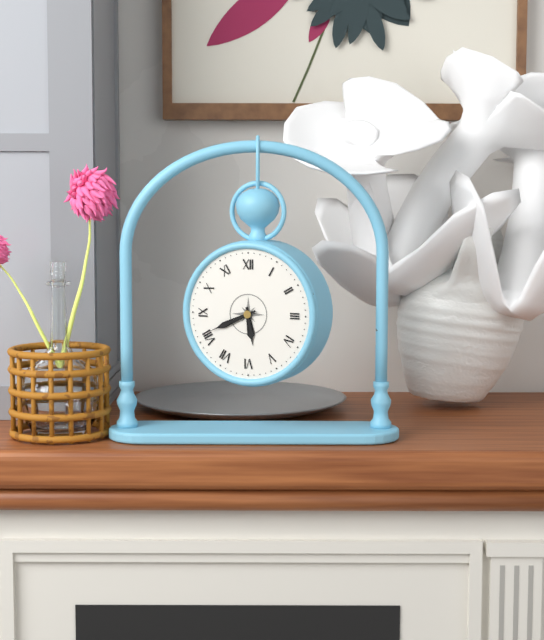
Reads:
{"hour": 5, "minute": 41}
